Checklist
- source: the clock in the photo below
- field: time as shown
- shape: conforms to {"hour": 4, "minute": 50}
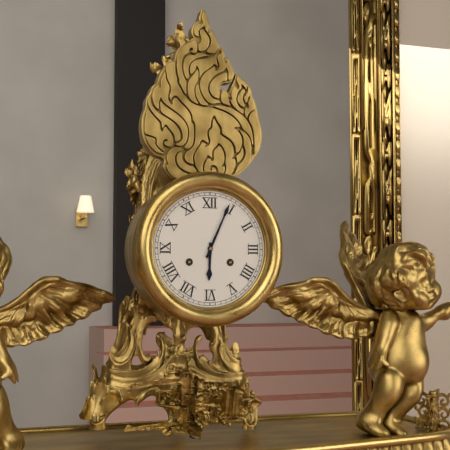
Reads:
{"hour": 6, "minute": 4}
